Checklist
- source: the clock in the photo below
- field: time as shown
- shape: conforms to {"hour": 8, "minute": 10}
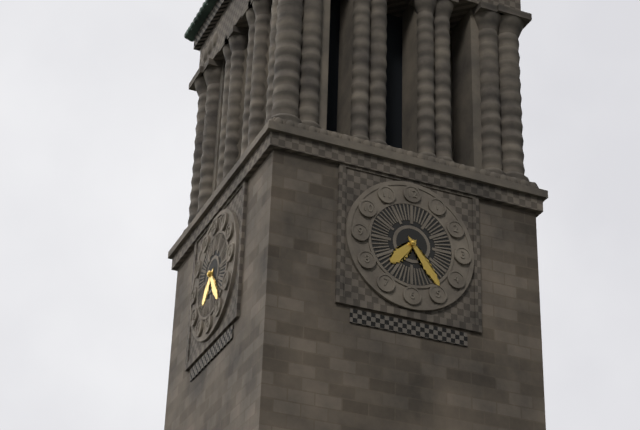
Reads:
{"hour": 7, "minute": 24}
